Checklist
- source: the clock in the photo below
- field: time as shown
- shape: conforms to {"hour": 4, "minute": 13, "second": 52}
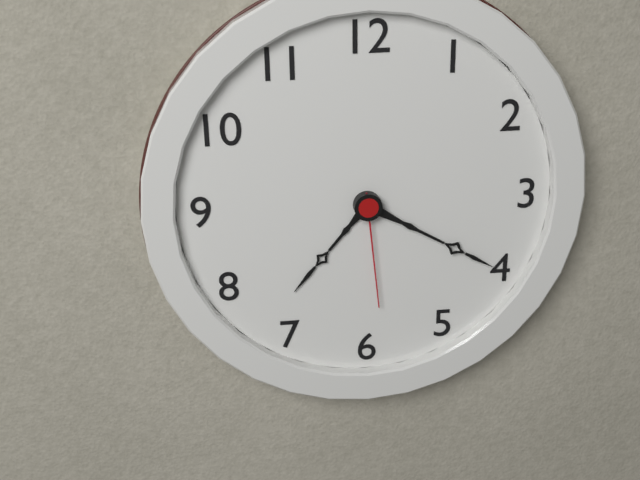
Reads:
{"hour": 7, "minute": 20, "second": 29}
